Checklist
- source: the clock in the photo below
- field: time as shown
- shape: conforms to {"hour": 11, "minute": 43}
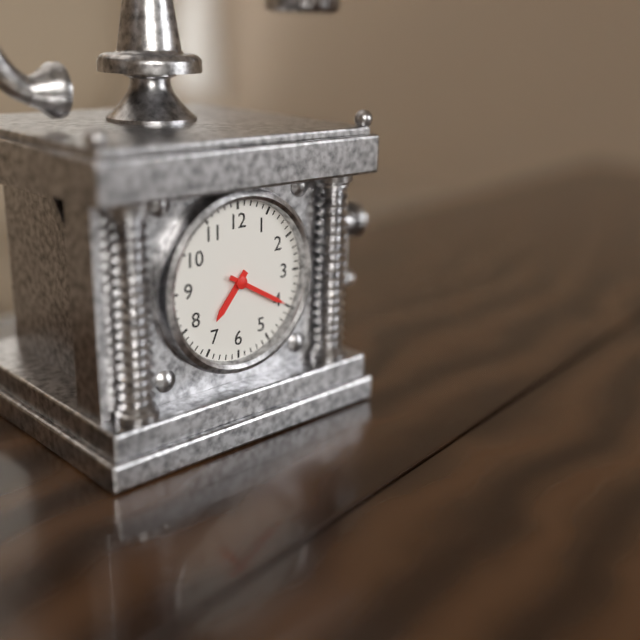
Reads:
{"hour": 7, "minute": 20}
